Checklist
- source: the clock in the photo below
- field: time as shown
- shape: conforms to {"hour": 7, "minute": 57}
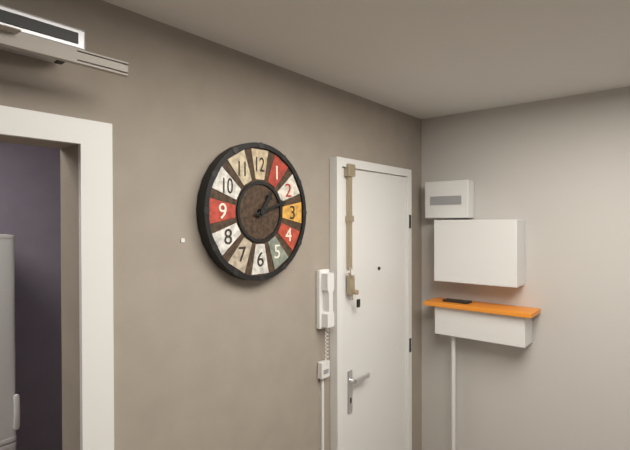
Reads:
{"hour": 1, "minute": 12}
